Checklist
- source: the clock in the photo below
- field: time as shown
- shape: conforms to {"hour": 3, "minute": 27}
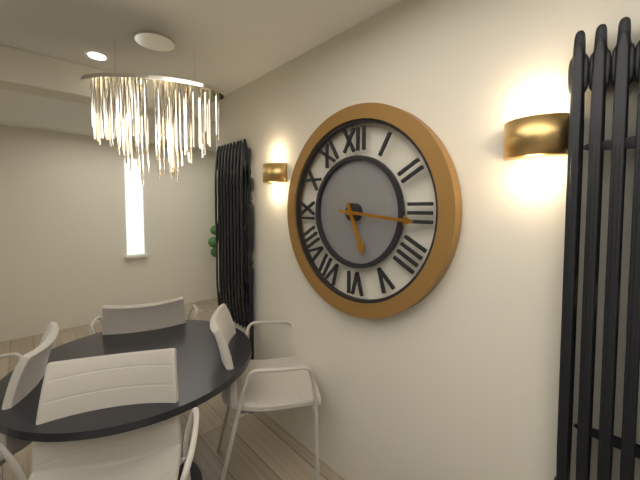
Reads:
{"hour": 5, "minute": 16}
